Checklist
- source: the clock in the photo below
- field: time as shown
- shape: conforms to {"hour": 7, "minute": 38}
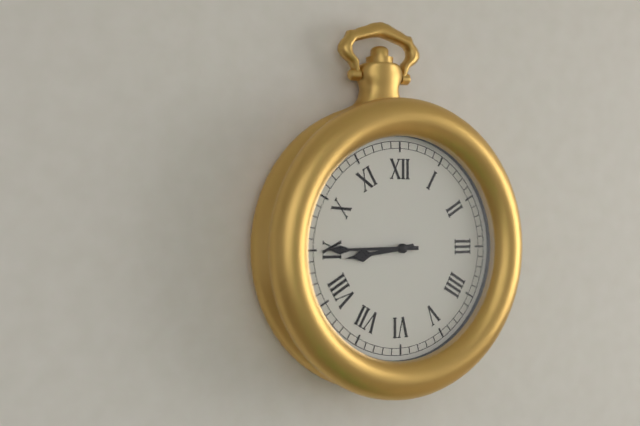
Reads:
{"hour": 8, "minute": 45}
